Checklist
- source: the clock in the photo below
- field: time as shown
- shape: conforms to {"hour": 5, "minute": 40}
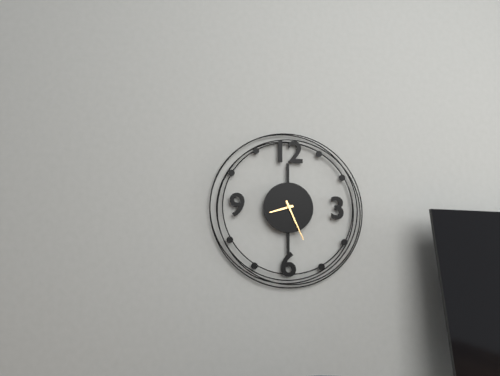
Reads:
{"hour": 8, "minute": 26}
